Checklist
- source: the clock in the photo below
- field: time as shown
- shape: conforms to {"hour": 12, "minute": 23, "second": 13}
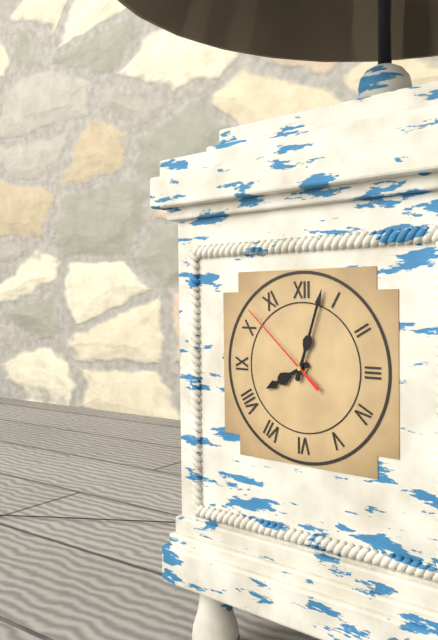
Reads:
{"hour": 8, "minute": 3, "second": 52}
